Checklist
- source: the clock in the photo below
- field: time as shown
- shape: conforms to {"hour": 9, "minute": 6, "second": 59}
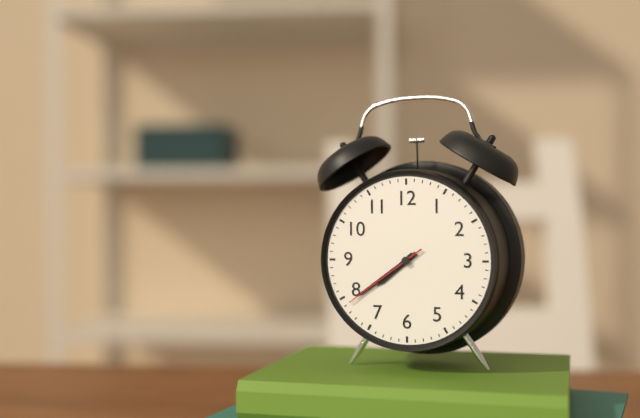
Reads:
{"hour": 7, "minute": 39, "second": 39}
